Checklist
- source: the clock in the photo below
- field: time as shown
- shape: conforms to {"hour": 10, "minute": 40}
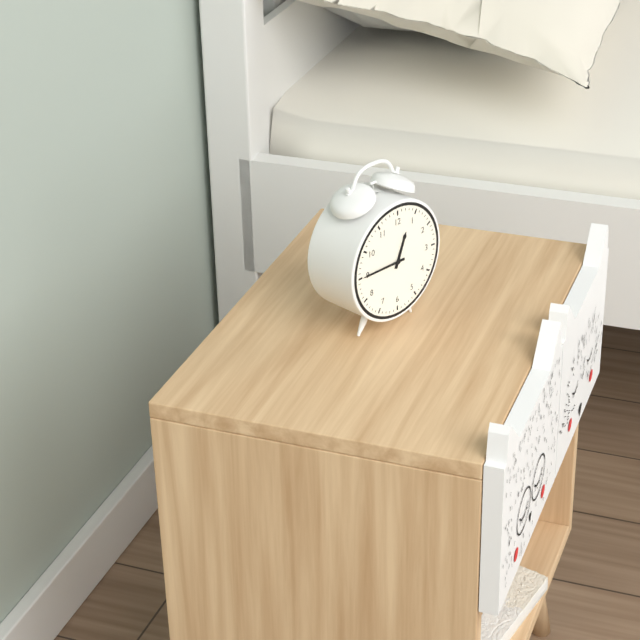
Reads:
{"hour": 12, "minute": 45}
